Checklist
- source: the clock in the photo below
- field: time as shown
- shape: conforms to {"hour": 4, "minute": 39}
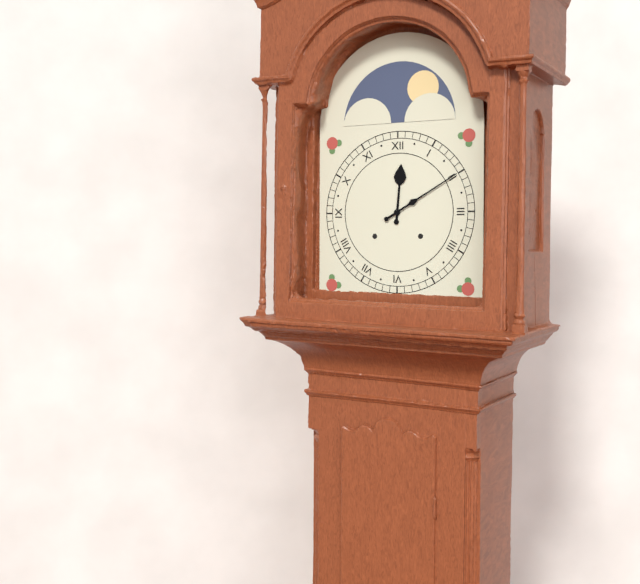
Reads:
{"hour": 12, "minute": 10}
